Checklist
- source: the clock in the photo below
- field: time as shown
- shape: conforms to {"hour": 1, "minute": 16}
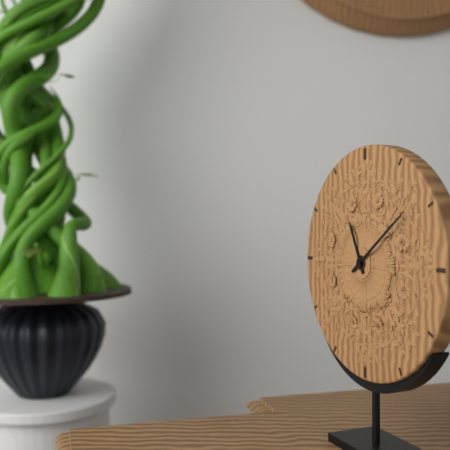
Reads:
{"hour": 11, "minute": 9}
